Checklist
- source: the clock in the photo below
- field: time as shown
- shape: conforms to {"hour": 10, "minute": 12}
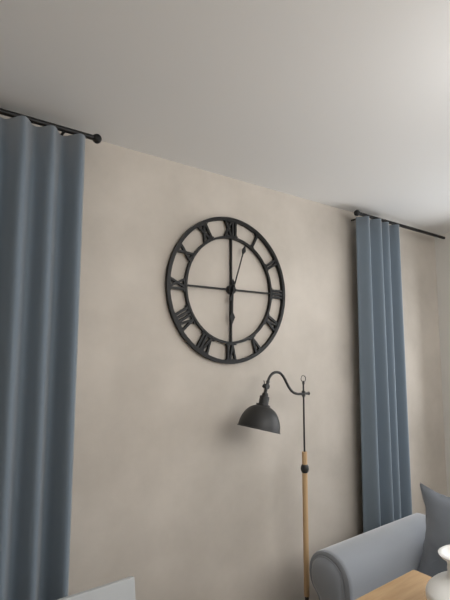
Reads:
{"hour": 6, "minute": 3}
